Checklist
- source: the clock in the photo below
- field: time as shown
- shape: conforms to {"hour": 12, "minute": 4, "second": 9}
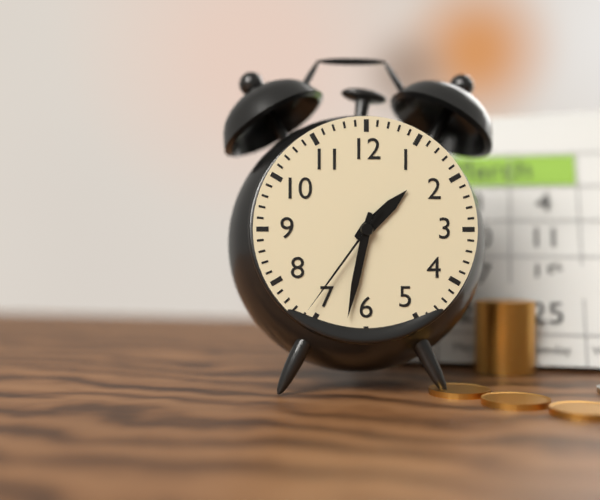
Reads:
{"hour": 1, "minute": 32, "second": 36}
